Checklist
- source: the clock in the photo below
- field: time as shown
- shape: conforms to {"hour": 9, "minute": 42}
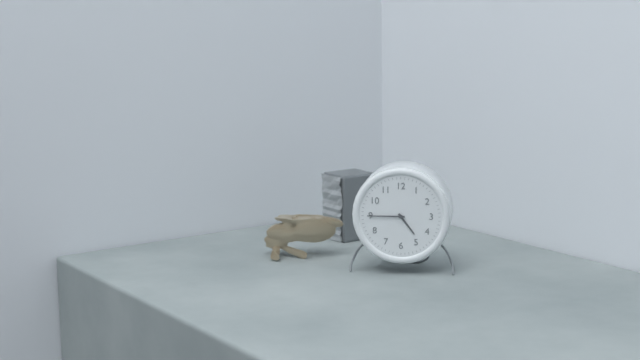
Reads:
{"hour": 4, "minute": 45}
